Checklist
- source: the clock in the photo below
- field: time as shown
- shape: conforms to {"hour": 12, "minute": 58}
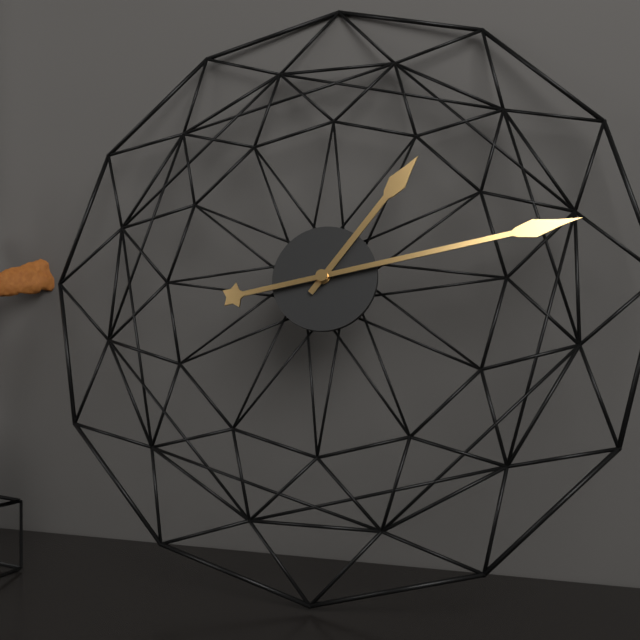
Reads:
{"hour": 1, "minute": 13}
